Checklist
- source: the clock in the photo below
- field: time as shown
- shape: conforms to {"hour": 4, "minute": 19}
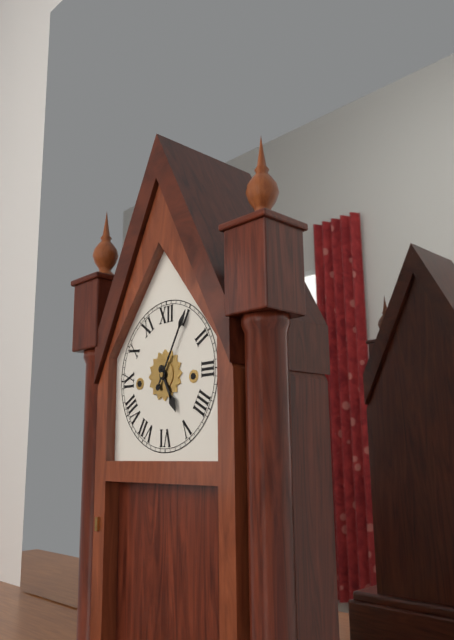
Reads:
{"hour": 5, "minute": 5}
